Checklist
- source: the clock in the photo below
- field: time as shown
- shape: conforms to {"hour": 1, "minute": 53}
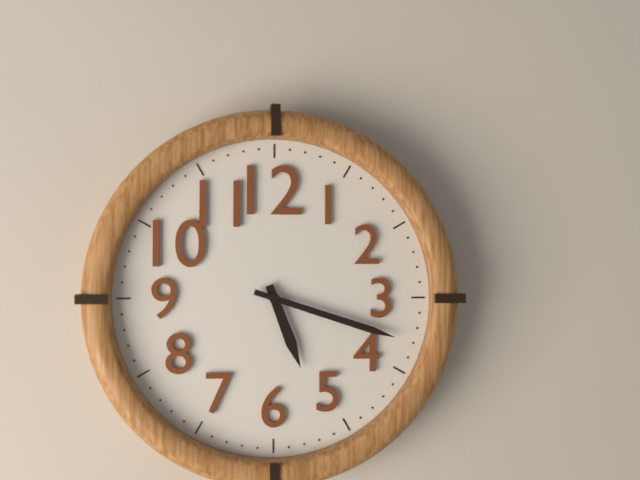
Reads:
{"hour": 5, "minute": 18}
